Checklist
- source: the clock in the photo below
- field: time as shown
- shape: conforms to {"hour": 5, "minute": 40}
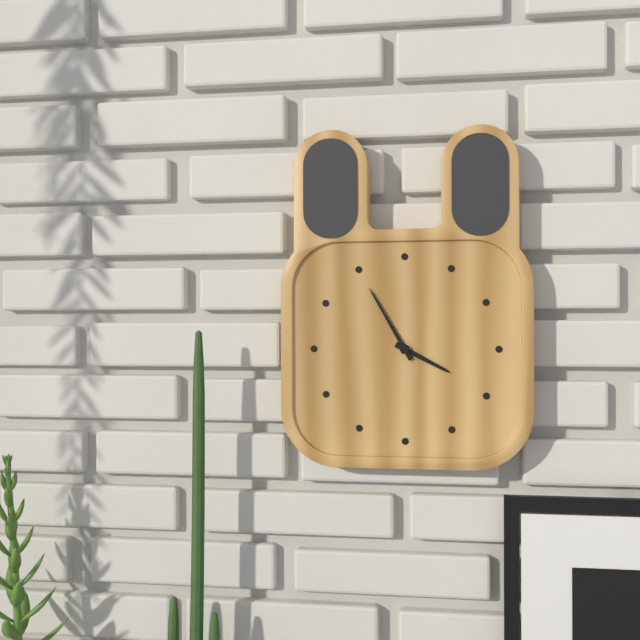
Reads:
{"hour": 3, "minute": 55}
